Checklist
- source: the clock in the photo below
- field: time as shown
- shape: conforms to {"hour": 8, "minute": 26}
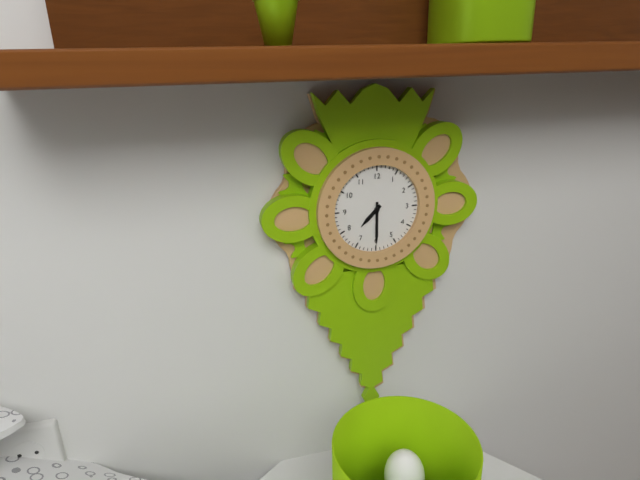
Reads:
{"hour": 7, "minute": 30}
